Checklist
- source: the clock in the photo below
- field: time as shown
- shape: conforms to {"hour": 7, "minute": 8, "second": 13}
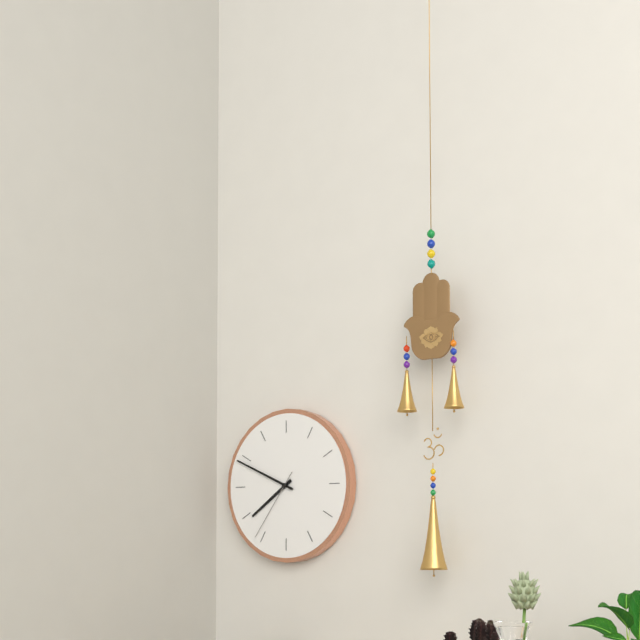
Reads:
{"hour": 7, "minute": 49, "second": 36}
